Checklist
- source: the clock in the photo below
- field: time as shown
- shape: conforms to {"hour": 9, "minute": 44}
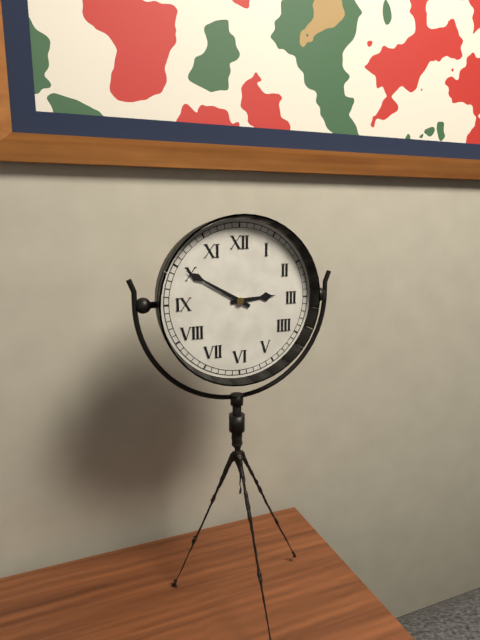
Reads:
{"hour": 2, "minute": 50}
